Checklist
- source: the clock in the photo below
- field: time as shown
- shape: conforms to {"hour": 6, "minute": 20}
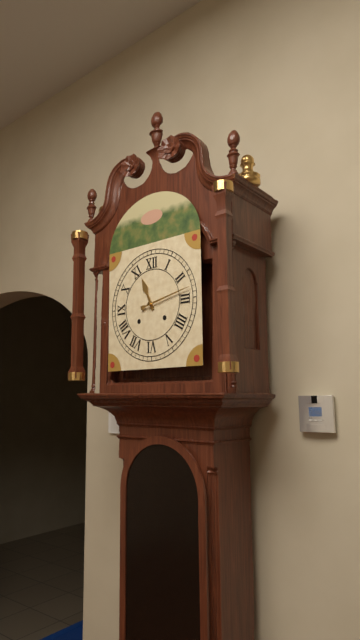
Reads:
{"hour": 11, "minute": 13}
